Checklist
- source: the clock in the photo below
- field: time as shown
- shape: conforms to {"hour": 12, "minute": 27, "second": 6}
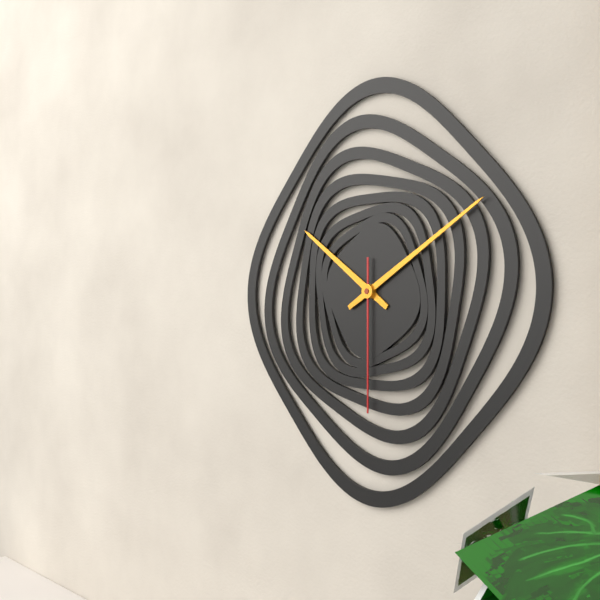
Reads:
{"hour": 10, "minute": 10, "second": 30}
